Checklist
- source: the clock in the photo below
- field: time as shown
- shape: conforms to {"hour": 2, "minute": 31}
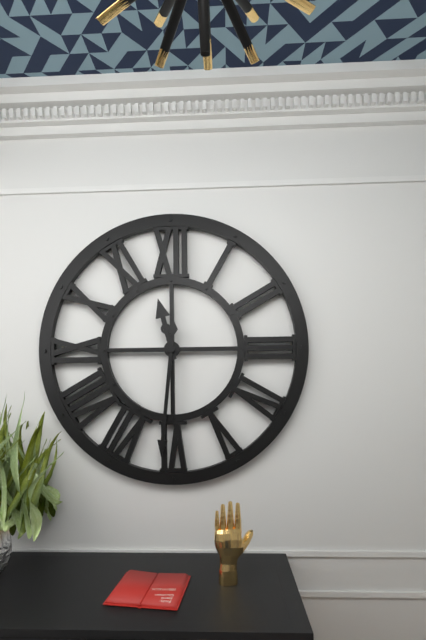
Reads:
{"hour": 11, "minute": 31}
